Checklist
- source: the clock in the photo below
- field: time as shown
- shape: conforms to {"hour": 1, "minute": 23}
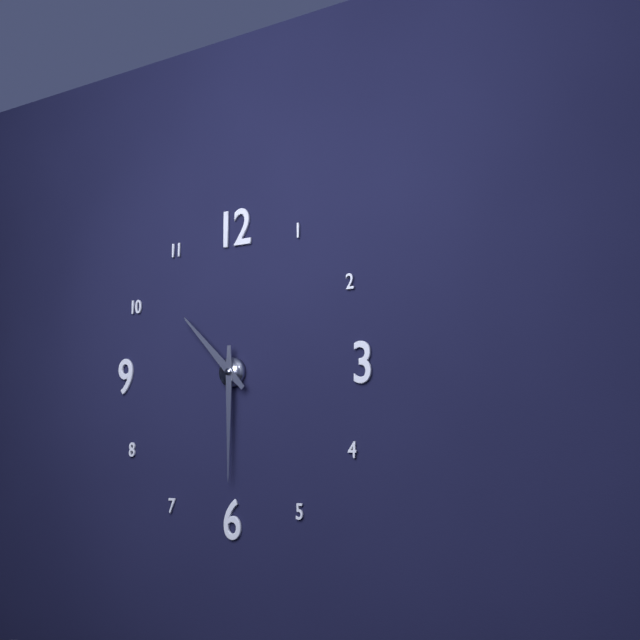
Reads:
{"hour": 10, "minute": 30}
